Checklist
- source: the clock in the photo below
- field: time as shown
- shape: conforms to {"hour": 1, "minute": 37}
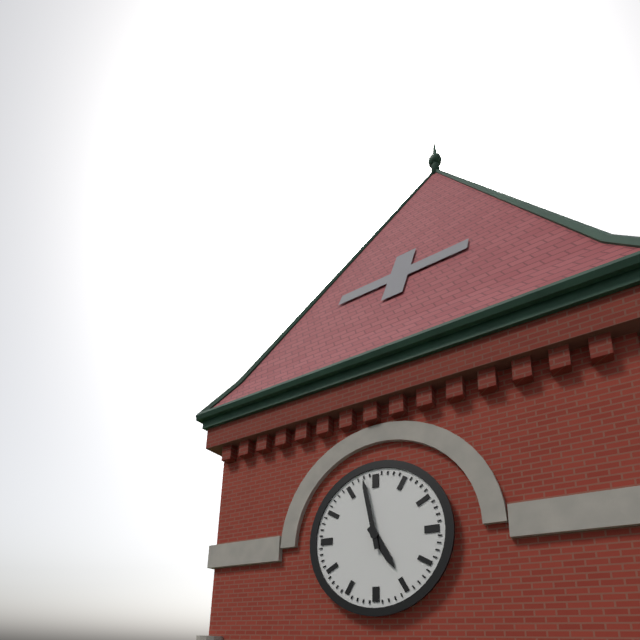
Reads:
{"hour": 4, "minute": 58}
